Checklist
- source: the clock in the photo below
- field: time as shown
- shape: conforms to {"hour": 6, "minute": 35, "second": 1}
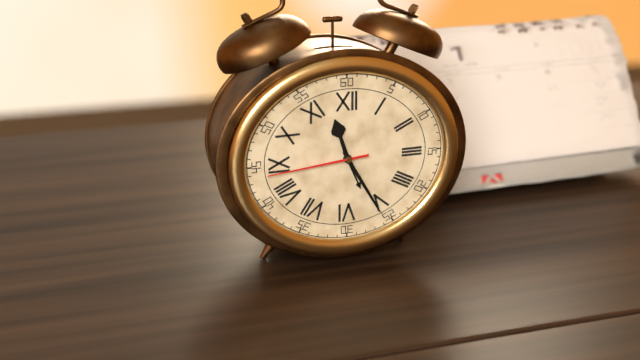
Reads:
{"hour": 11, "minute": 25, "second": 44}
